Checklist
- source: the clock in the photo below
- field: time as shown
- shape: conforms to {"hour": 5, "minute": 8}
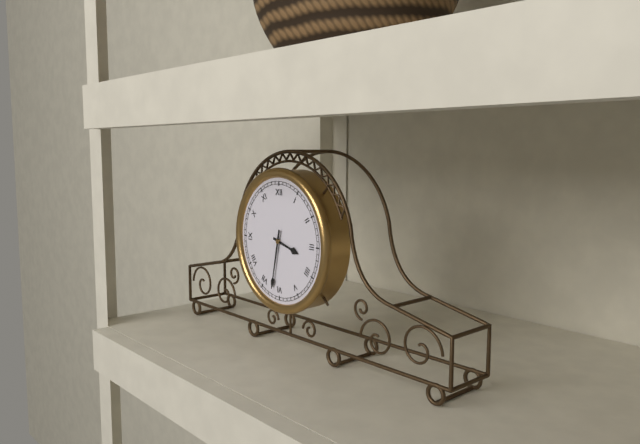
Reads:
{"hour": 3, "minute": 32}
